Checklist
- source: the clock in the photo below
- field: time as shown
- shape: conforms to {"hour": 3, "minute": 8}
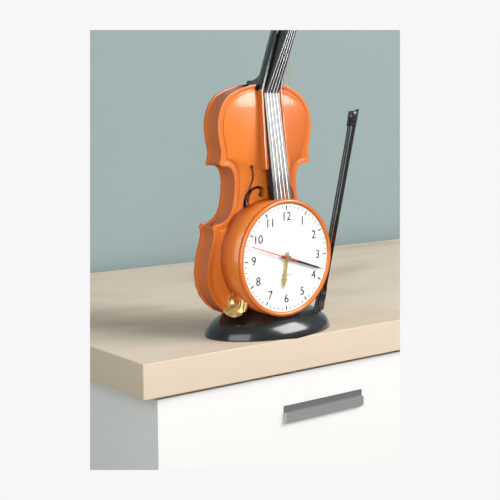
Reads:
{"hour": 6, "minute": 18}
